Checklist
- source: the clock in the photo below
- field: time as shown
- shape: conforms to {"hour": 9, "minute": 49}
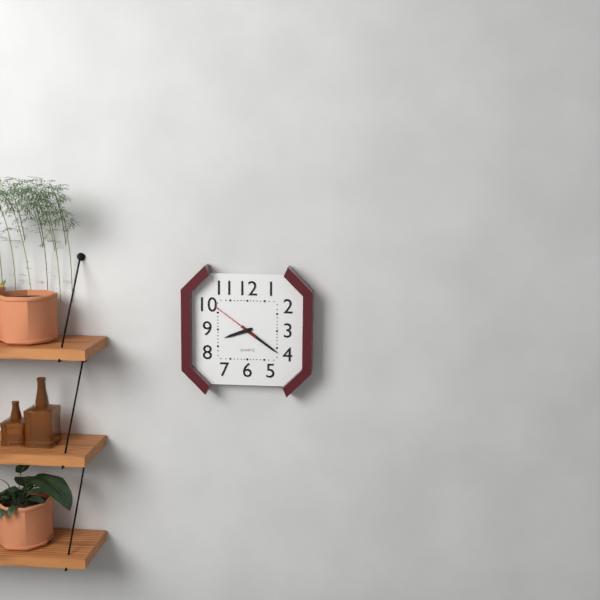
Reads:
{"hour": 8, "minute": 21}
